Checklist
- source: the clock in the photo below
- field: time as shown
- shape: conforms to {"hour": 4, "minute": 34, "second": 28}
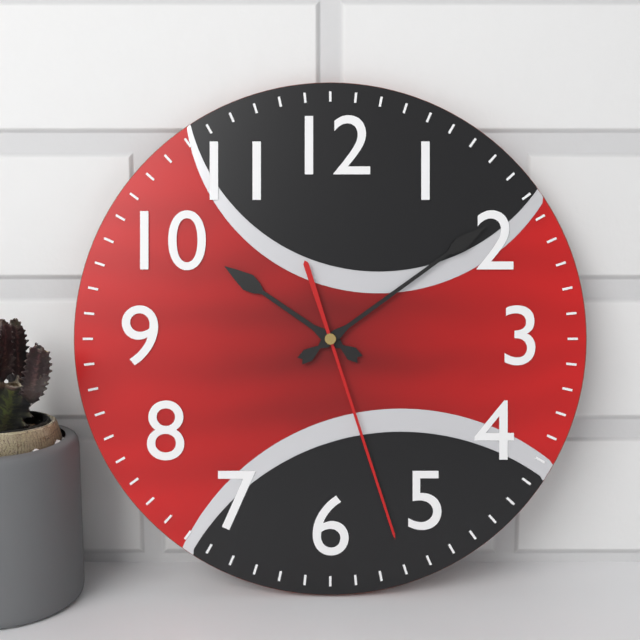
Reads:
{"hour": 10, "minute": 9, "second": 27}
